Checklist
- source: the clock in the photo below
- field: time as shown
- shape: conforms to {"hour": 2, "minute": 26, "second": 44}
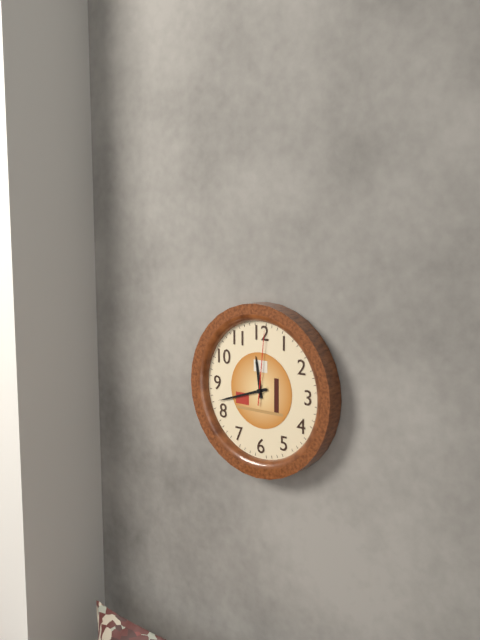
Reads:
{"hour": 11, "minute": 42, "second": 1}
